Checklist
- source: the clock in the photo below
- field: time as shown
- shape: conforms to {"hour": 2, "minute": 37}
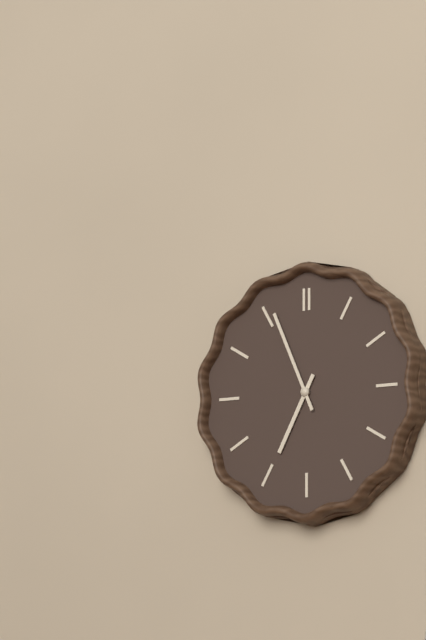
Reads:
{"hour": 6, "minute": 56}
